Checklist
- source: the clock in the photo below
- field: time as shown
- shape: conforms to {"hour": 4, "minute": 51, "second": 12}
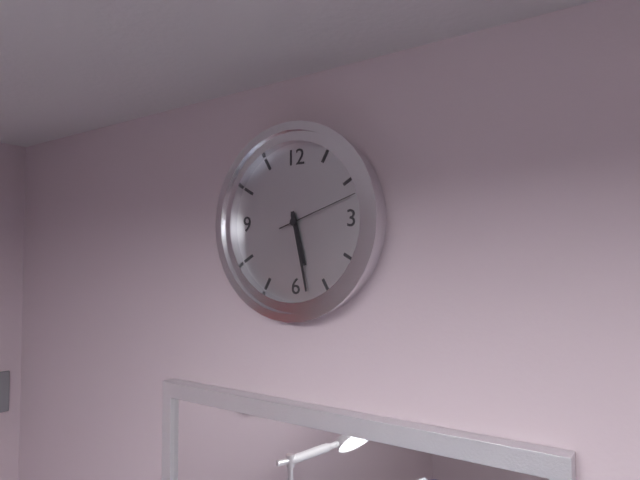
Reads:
{"hour": 5, "minute": 28, "second": 12}
